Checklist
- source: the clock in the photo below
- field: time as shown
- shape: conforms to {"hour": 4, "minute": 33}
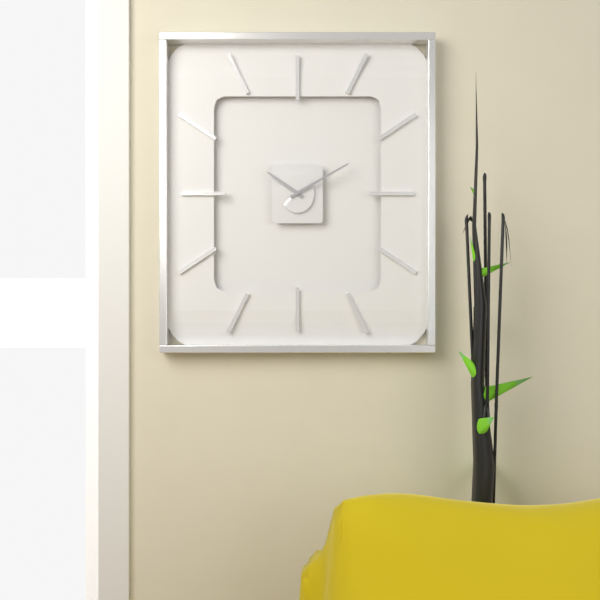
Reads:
{"hour": 10, "minute": 10}
